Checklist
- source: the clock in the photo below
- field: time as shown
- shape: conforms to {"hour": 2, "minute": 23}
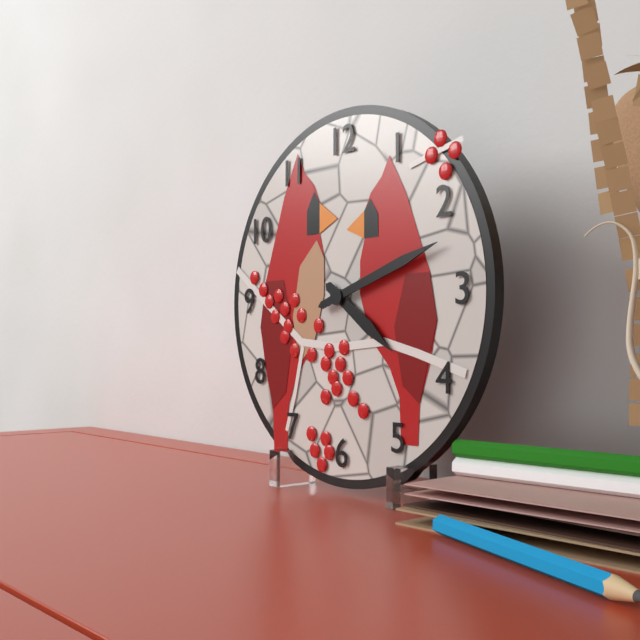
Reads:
{"hour": 4, "minute": 12}
